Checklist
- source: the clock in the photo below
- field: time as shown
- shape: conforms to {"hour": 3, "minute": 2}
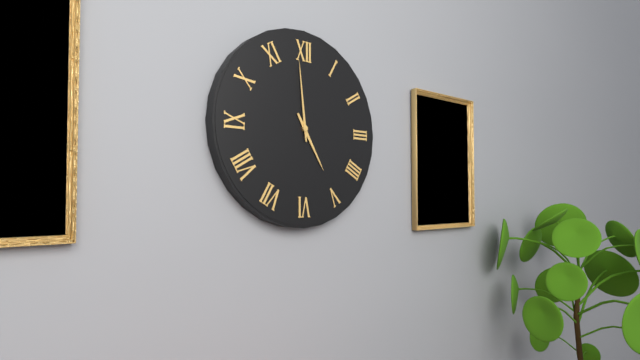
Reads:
{"hour": 4, "minute": 59}
